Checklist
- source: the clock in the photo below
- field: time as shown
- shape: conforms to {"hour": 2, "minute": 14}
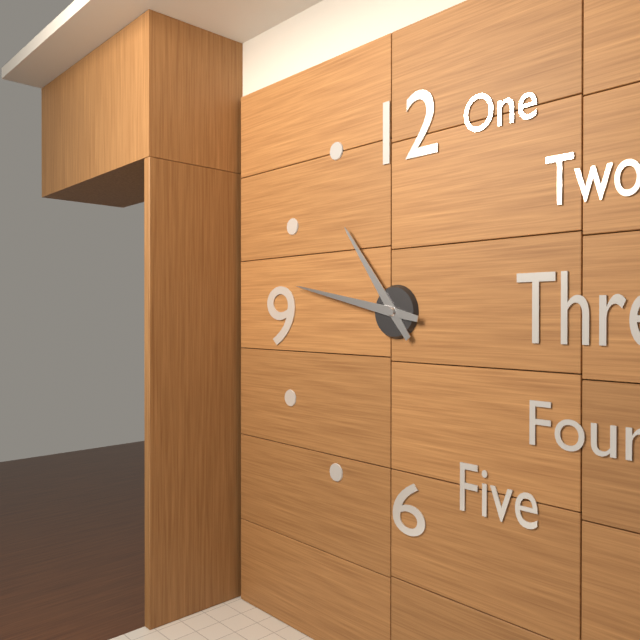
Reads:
{"hour": 10, "minute": 47}
